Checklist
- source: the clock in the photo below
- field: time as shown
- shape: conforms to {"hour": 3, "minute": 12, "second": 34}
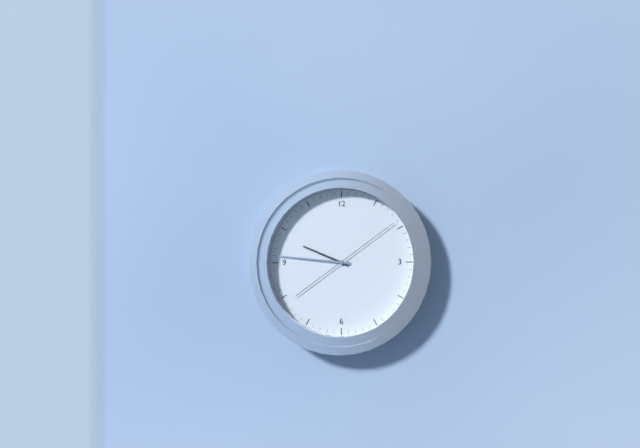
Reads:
{"hour": 9, "minute": 46, "second": 9}
